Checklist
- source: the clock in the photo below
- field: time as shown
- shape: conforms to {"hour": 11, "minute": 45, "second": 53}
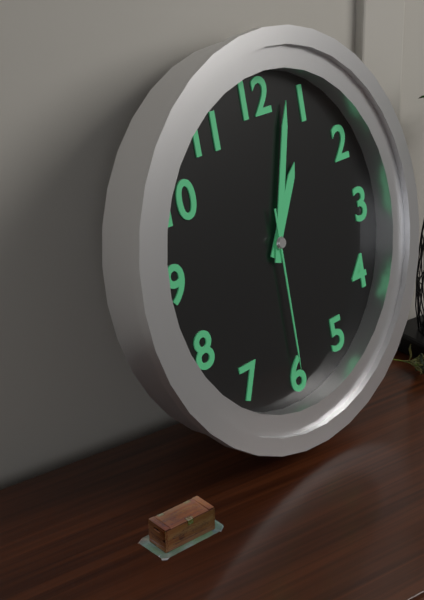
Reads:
{"hour": 1, "minute": 3, "second": 30}
